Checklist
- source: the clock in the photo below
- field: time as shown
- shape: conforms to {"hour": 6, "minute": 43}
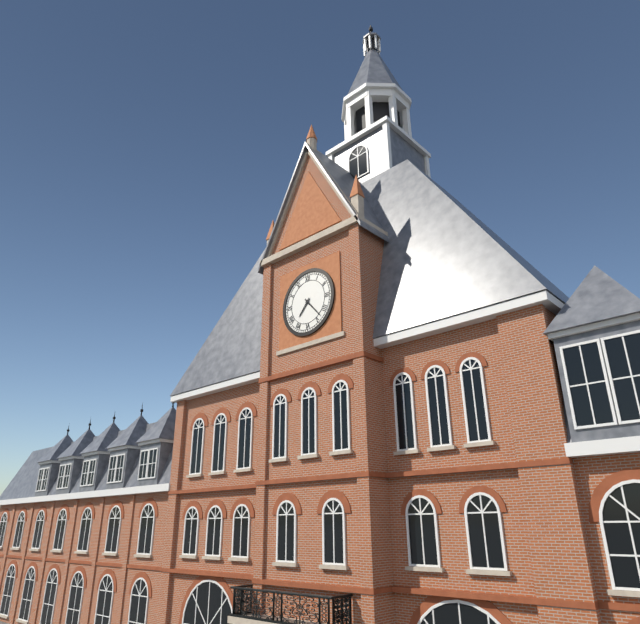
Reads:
{"hour": 7, "minute": 23}
